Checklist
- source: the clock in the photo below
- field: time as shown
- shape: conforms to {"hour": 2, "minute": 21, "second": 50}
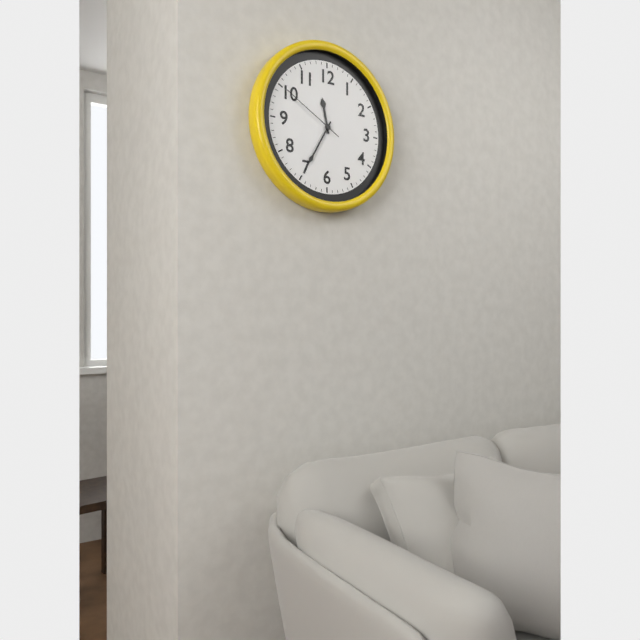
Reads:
{"hour": 11, "minute": 35, "second": 50}
